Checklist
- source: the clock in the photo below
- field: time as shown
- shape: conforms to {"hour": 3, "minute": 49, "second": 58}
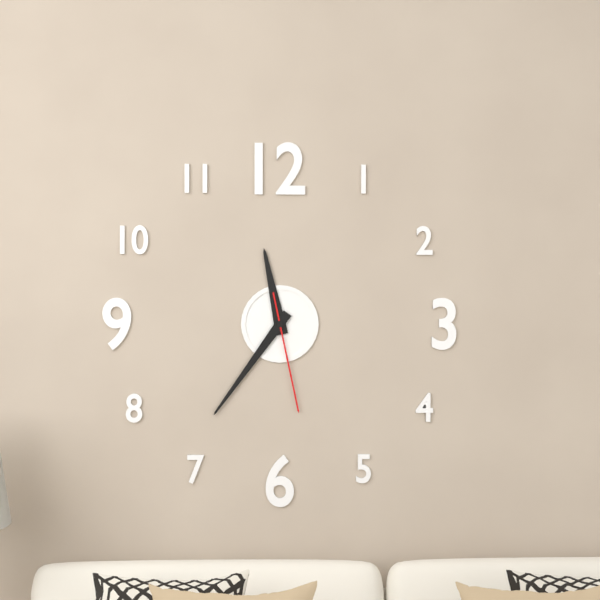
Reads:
{"hour": 11, "minute": 36, "second": 28}
